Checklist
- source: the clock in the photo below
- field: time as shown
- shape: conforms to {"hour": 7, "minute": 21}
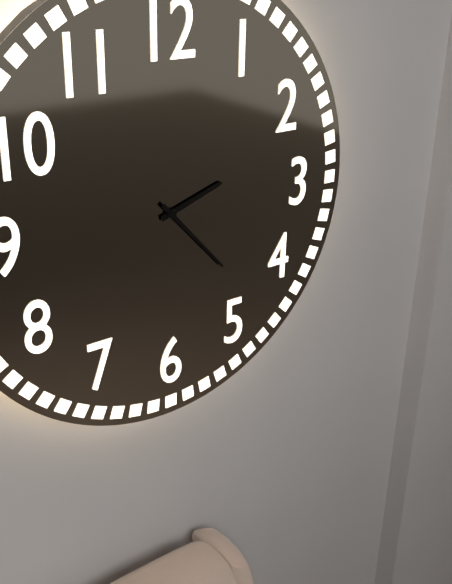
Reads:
{"hour": 2, "minute": 23}
